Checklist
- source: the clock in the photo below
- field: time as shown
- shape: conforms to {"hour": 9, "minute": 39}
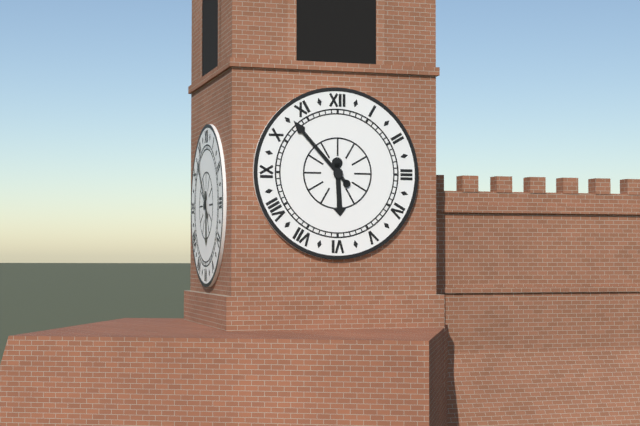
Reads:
{"hour": 5, "minute": 53}
